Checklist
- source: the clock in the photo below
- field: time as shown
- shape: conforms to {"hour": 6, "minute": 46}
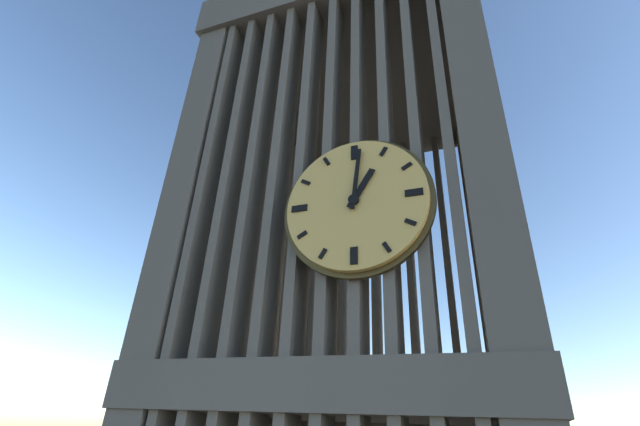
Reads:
{"hour": 1, "minute": 1}
